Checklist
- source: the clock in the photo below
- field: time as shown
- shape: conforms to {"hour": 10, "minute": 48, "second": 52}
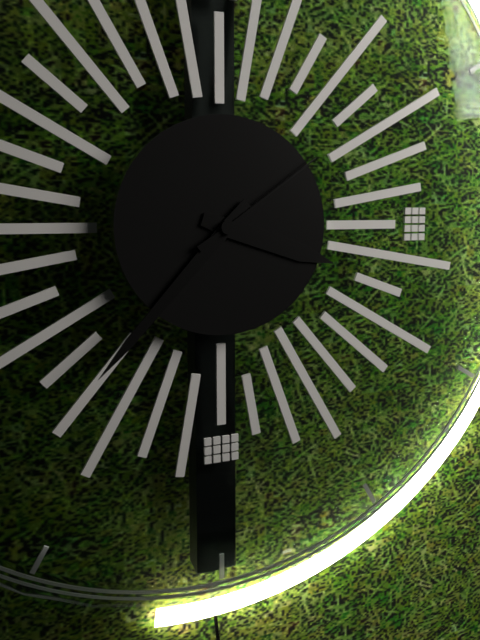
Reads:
{"hour": 3, "minute": 37, "second": 9}
